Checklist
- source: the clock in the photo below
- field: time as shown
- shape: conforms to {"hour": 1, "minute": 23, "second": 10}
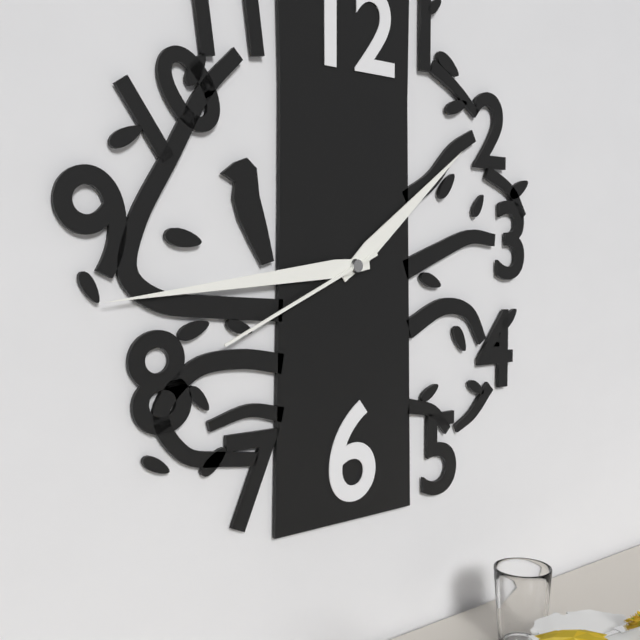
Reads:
{"hour": 1, "minute": 44, "second": 41}
